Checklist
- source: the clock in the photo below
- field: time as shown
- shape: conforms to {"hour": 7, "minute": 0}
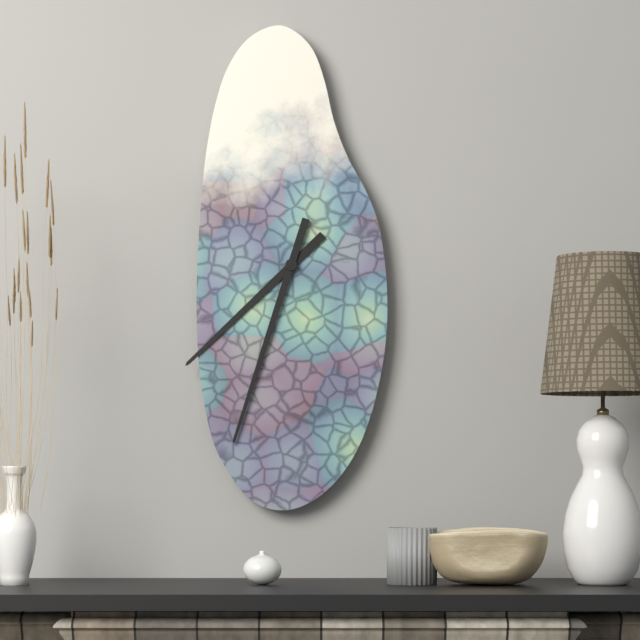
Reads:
{"hour": 7, "minute": 33}
